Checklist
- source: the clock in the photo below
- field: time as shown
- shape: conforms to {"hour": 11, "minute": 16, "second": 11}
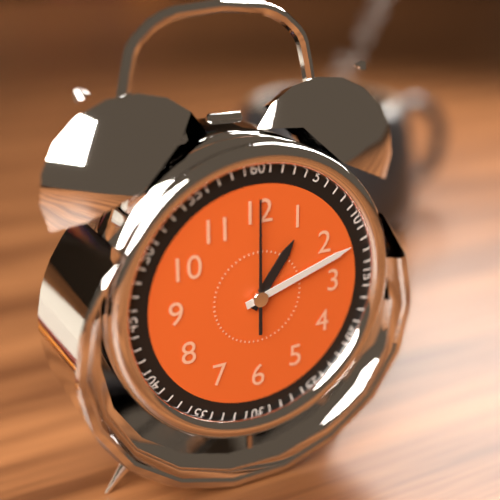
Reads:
{"hour": 1, "minute": 12, "second": 0}
